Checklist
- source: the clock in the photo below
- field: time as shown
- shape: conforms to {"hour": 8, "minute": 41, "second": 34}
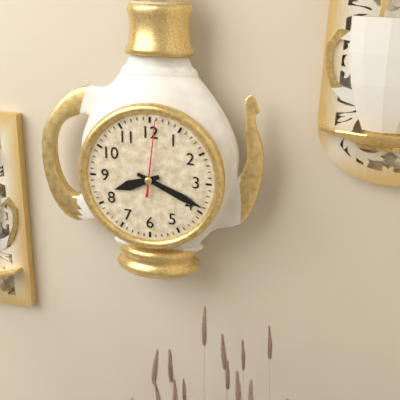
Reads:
{"hour": 8, "minute": 19, "second": 1}
